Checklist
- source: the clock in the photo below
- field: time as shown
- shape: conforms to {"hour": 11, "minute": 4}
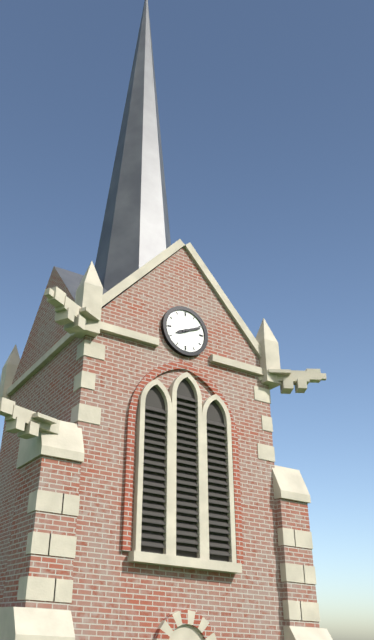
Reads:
{"hour": 8, "minute": 11}
